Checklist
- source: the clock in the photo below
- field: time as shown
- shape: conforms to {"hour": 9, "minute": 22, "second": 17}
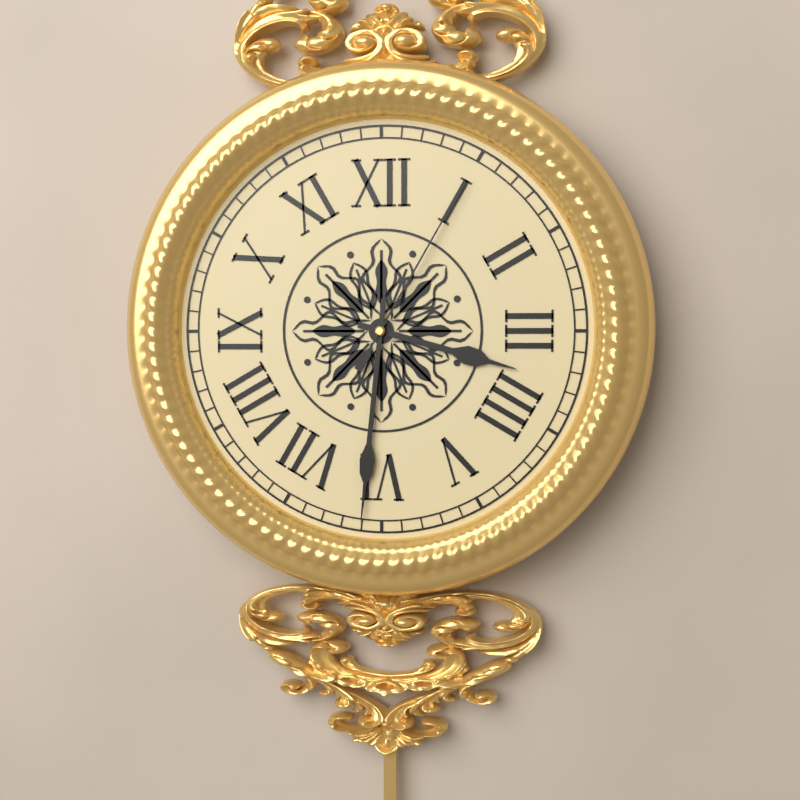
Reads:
{"hour": 3, "minute": 31, "second": 5}
